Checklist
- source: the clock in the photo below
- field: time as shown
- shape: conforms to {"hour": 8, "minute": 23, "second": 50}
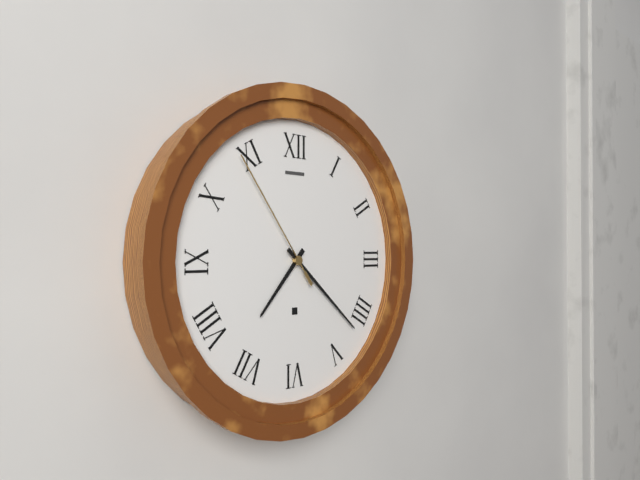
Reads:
{"hour": 7, "minute": 22, "second": 54}
